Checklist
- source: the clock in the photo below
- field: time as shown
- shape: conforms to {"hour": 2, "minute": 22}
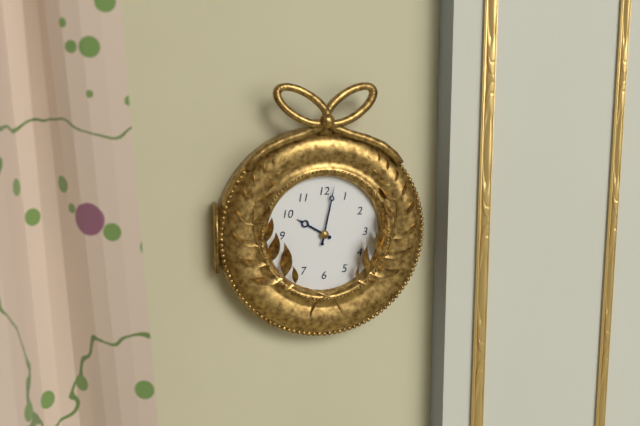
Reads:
{"hour": 10, "minute": 2}
